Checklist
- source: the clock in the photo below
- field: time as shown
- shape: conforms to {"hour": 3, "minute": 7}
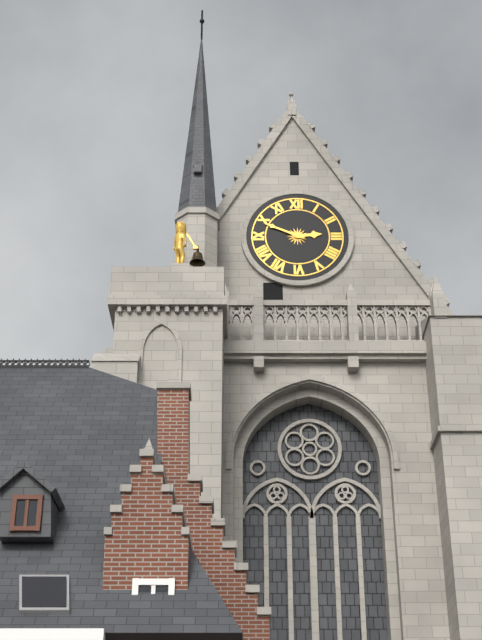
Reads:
{"hour": 2, "minute": 49}
